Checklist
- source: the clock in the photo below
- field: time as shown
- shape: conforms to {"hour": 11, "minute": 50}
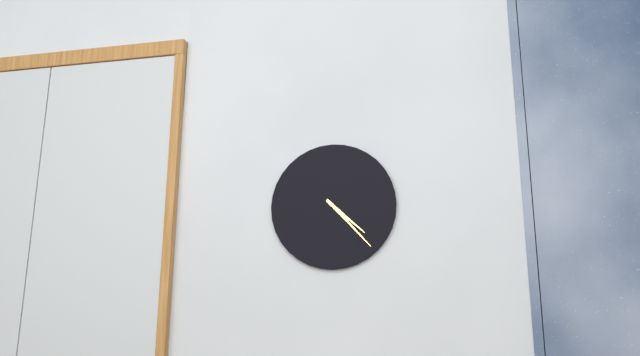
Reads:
{"hour": 4, "minute": 23}
